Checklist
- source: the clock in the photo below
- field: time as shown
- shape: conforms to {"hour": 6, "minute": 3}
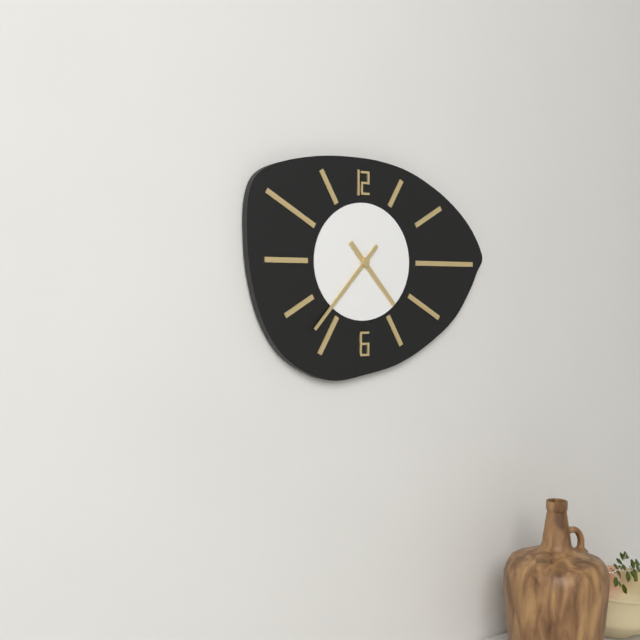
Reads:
{"hour": 4, "minute": 37}
